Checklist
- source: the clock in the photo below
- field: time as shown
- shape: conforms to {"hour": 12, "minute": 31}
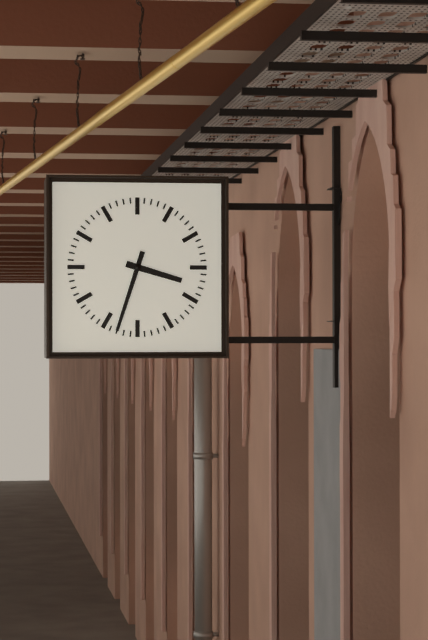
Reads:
{"hour": 3, "minute": 33}
